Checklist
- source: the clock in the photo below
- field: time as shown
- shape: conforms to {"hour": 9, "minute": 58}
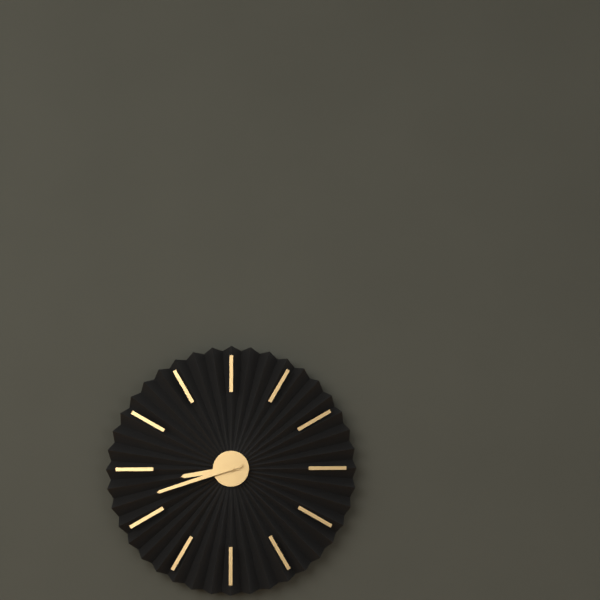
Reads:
{"hour": 8, "minute": 42}
